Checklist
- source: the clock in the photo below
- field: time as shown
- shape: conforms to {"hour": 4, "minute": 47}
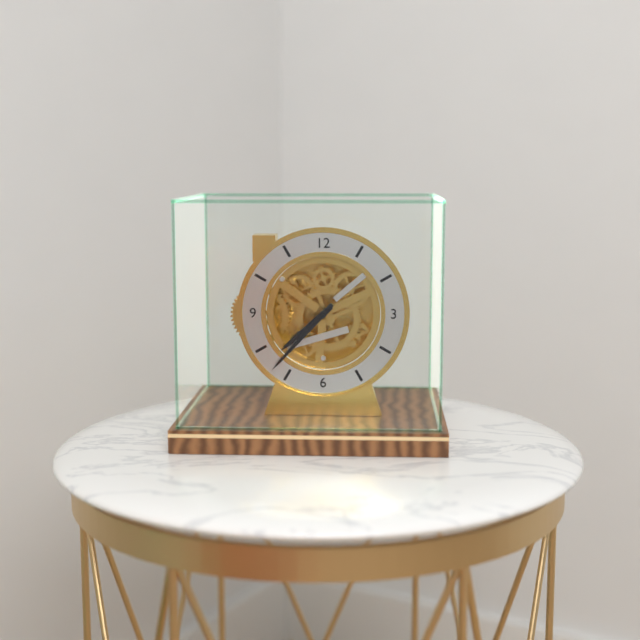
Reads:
{"hour": 7, "minute": 37}
